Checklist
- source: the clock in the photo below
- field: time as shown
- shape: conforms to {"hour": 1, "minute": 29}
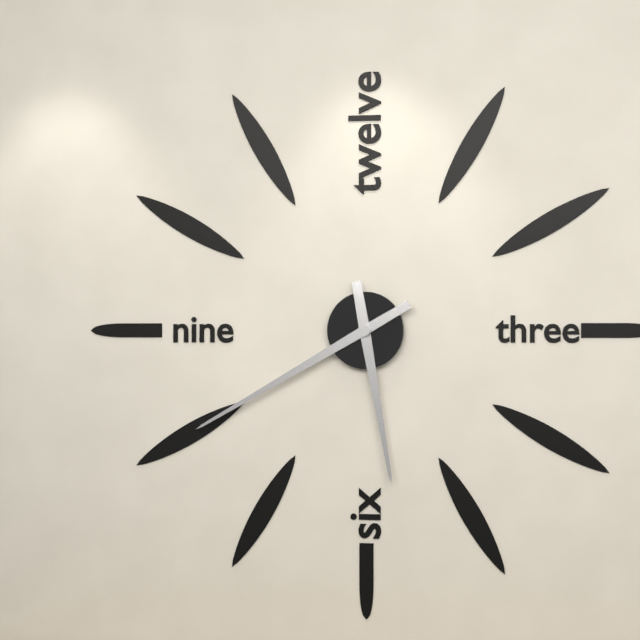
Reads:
{"hour": 5, "minute": 40}
